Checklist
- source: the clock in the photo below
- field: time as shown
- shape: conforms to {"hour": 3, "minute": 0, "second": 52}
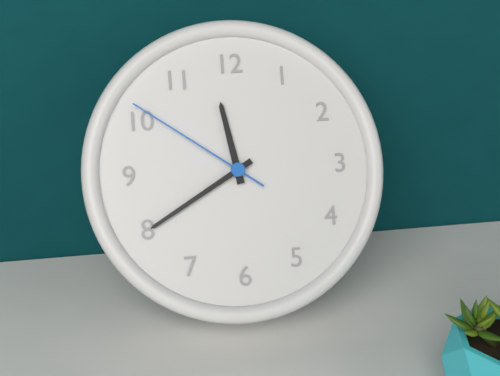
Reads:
{"hour": 11, "minute": 40, "second": 51}
